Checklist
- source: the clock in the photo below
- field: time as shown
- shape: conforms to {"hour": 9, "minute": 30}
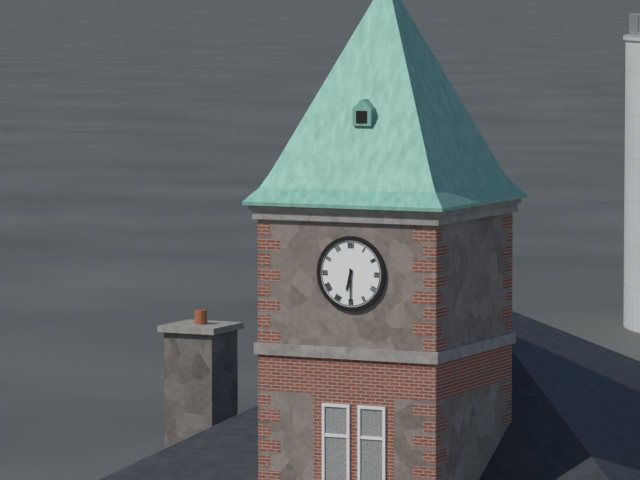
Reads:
{"hour": 6, "minute": 30}
